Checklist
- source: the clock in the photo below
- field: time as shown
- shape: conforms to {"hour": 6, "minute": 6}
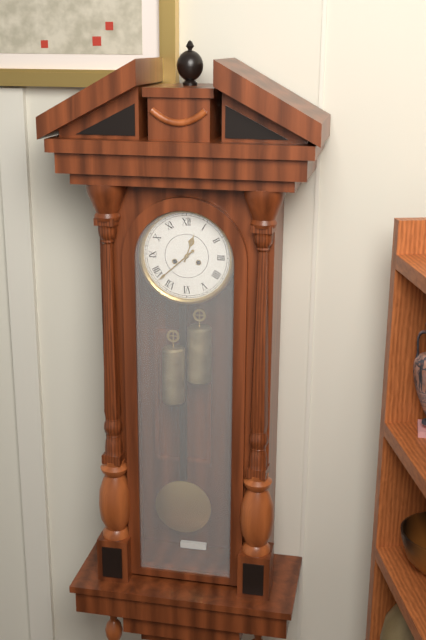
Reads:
{"hour": 12, "minute": 38}
